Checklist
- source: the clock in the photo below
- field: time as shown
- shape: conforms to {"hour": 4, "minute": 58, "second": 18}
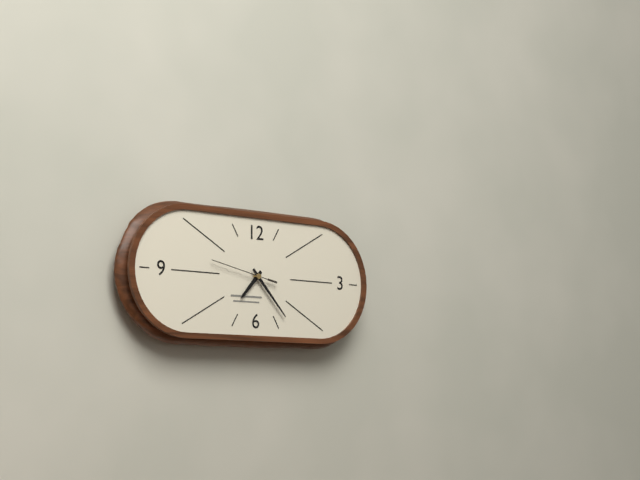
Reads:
{"hour": 7, "minute": 23, "second": 47}
